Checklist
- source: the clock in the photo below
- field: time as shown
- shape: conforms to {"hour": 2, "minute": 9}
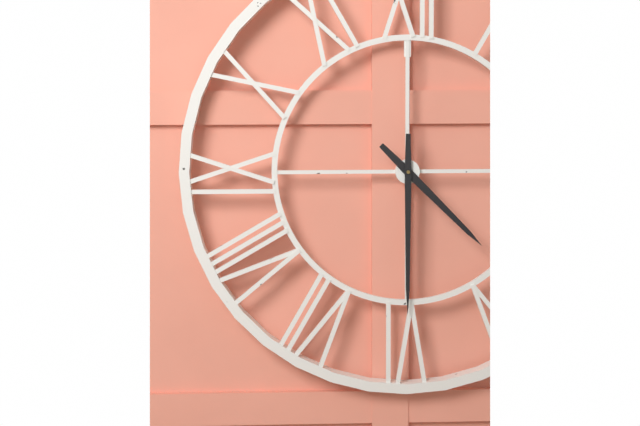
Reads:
{"hour": 4, "minute": 30}
